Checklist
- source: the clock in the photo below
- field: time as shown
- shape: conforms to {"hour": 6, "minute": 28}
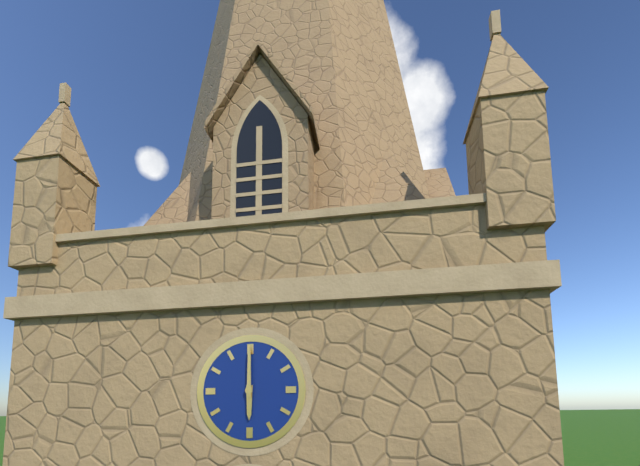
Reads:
{"hour": 6, "minute": 0}
